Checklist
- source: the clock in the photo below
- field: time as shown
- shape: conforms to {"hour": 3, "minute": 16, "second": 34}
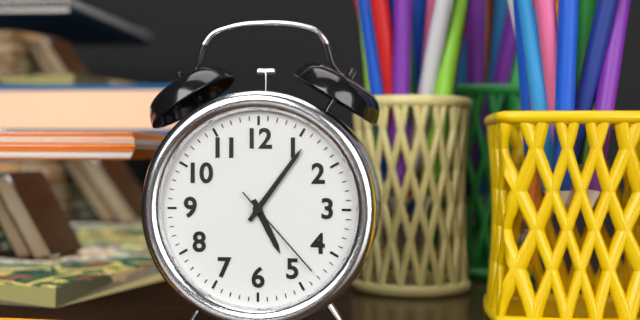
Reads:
{"hour": 5, "minute": 6, "second": 23}
